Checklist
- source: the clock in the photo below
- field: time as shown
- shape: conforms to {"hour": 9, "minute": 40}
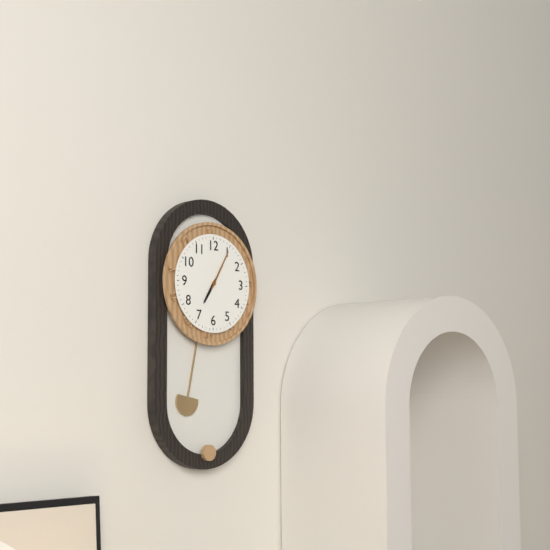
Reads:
{"hour": 7, "minute": 5}
